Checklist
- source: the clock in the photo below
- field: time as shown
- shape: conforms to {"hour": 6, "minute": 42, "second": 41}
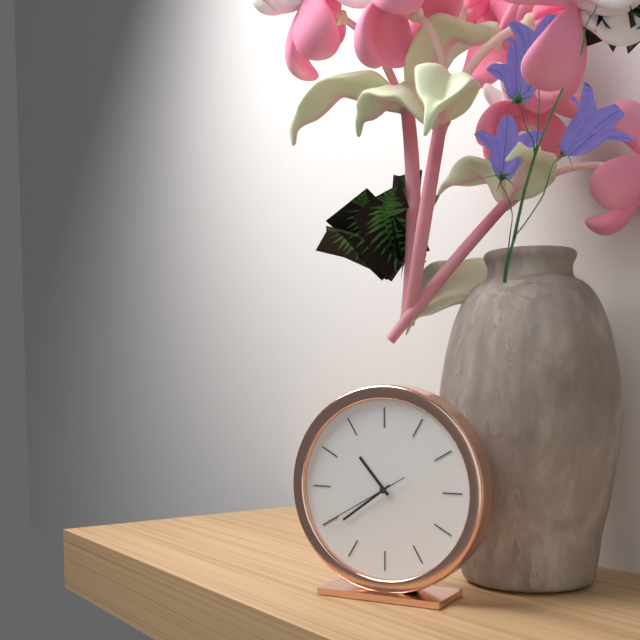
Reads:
{"hour": 10, "minute": 39, "second": 40}
